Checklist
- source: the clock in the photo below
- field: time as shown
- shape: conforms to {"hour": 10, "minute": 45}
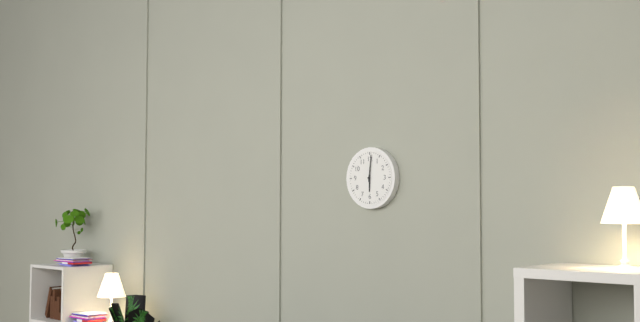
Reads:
{"hour": 6, "minute": 1}
